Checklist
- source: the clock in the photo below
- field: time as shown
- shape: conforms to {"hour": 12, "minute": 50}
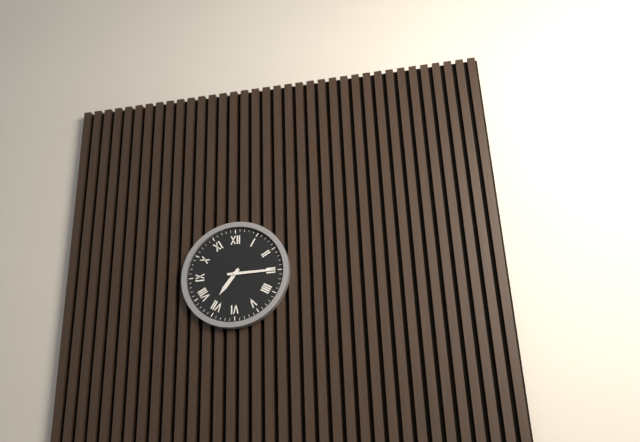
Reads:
{"hour": 7, "minute": 15}
